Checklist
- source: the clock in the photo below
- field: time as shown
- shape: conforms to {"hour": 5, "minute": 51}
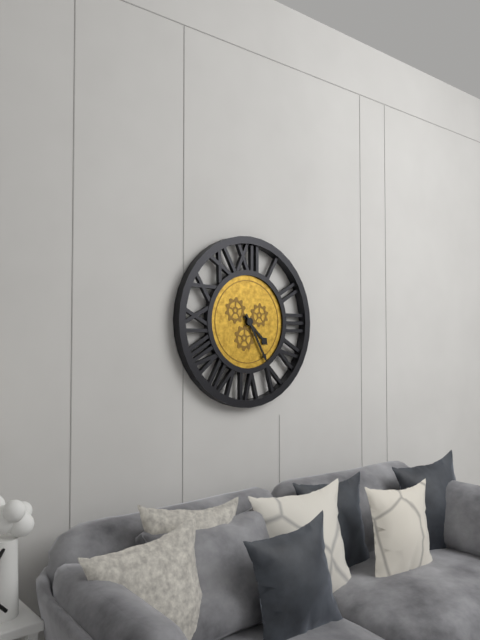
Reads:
{"hour": 4, "minute": 25}
